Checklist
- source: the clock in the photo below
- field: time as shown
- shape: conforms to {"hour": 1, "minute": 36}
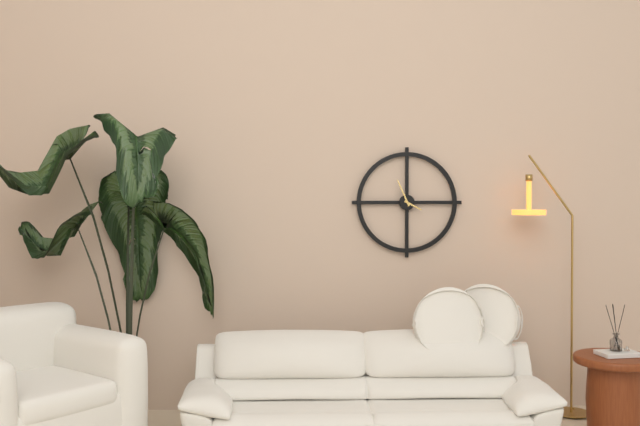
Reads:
{"hour": 3, "minute": 56}
